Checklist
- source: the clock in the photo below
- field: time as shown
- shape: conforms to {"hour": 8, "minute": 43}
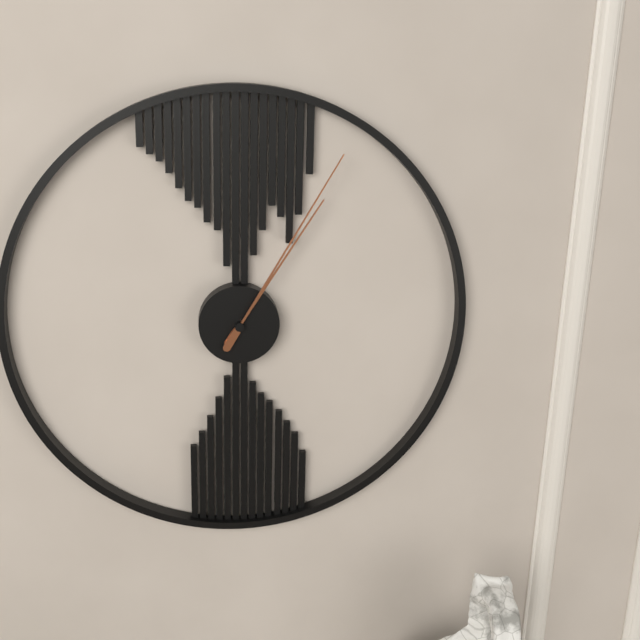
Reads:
{"hour": 1, "minute": 5}
